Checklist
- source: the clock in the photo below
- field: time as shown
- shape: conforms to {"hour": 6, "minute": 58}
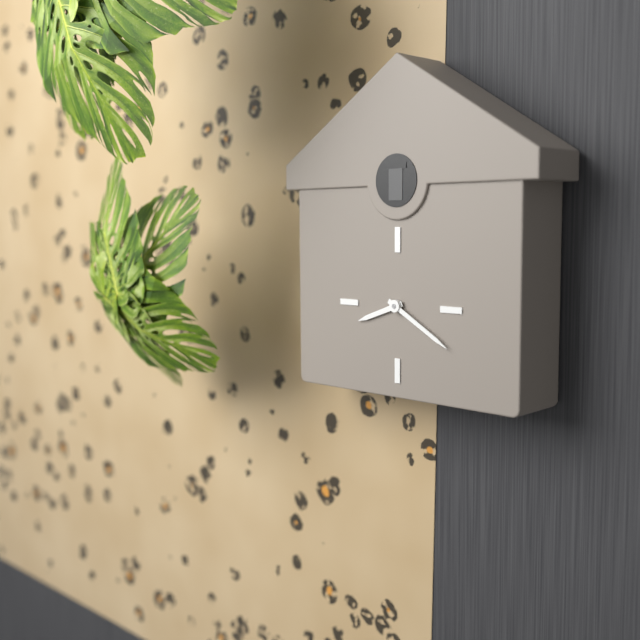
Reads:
{"hour": 8, "minute": 20}
